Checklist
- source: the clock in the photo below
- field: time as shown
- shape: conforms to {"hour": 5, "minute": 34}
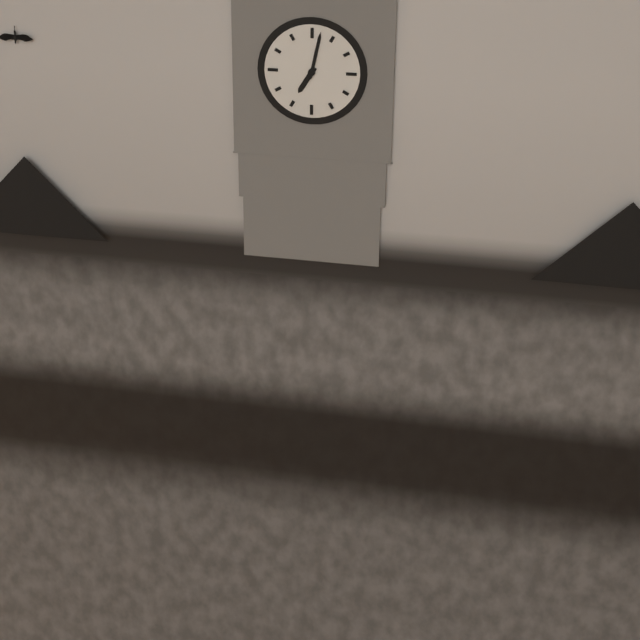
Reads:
{"hour": 7, "minute": 2}
